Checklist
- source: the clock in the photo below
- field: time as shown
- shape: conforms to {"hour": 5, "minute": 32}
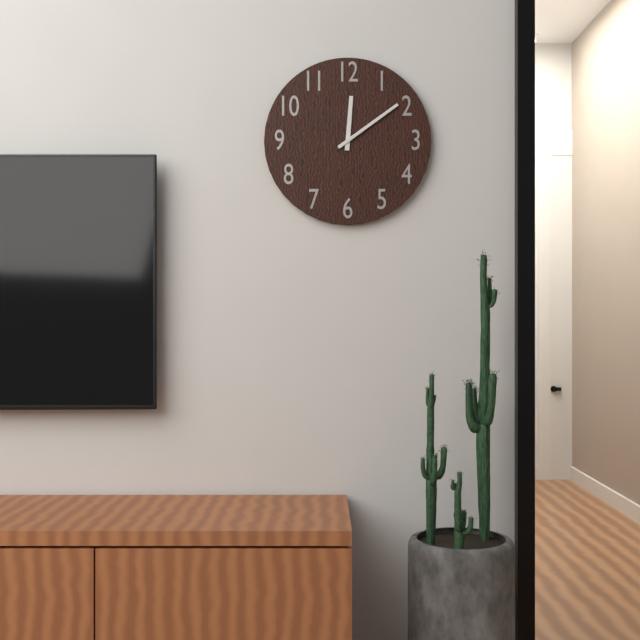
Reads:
{"hour": 12, "minute": 9}
